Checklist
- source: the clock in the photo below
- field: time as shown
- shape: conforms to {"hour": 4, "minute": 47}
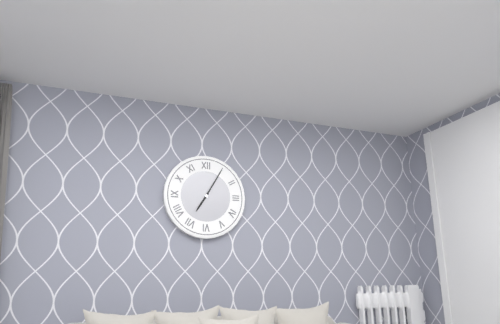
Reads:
{"hour": 7, "minute": 5}
